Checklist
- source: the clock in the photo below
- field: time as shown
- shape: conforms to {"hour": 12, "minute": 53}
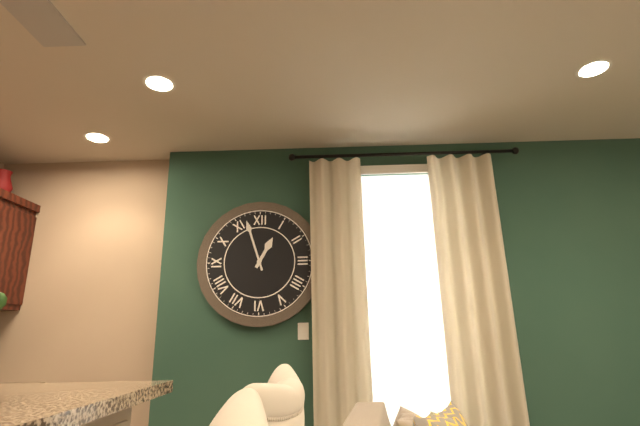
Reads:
{"hour": 12, "minute": 57}
